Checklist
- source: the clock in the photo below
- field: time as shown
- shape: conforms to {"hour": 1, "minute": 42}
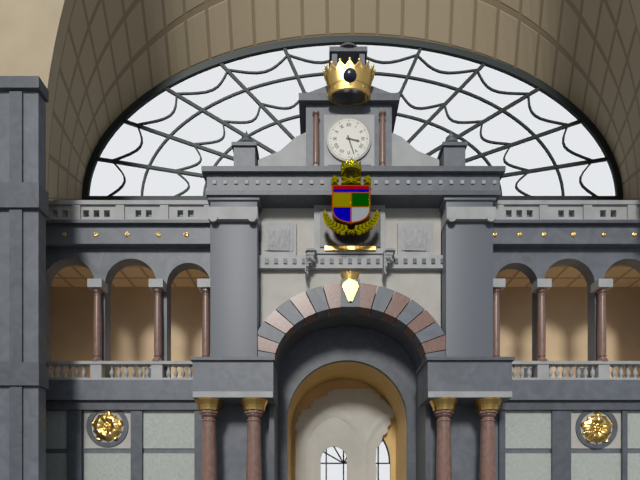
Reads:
{"hour": 3, "minute": 27}
